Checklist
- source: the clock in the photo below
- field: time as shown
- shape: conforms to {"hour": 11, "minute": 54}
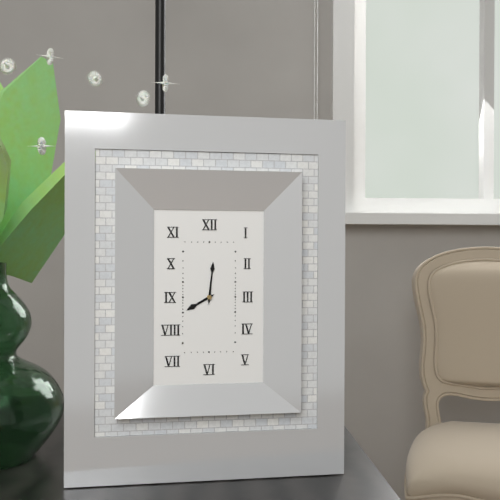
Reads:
{"hour": 8, "minute": 1}
